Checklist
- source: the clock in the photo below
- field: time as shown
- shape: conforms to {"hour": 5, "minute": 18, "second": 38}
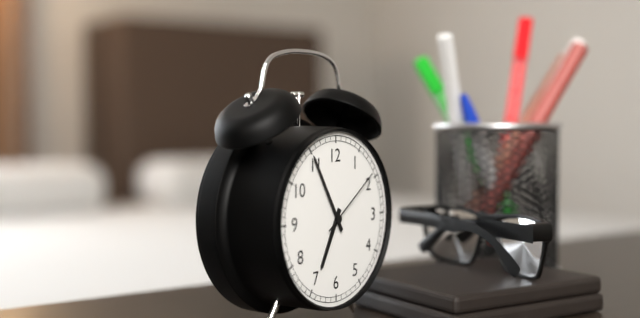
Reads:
{"hour": 6, "minute": 55, "second": 9}
